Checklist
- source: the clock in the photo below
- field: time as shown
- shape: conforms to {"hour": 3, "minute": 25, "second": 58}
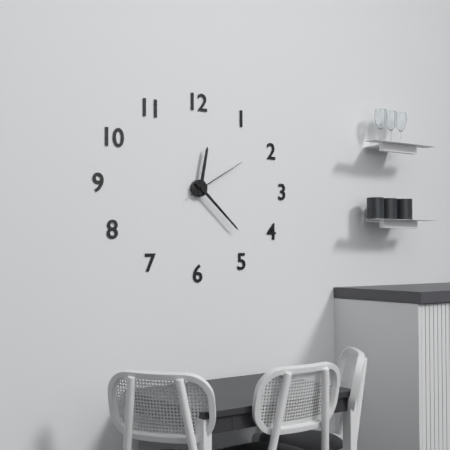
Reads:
{"hour": 12, "minute": 22, "second": 10}
